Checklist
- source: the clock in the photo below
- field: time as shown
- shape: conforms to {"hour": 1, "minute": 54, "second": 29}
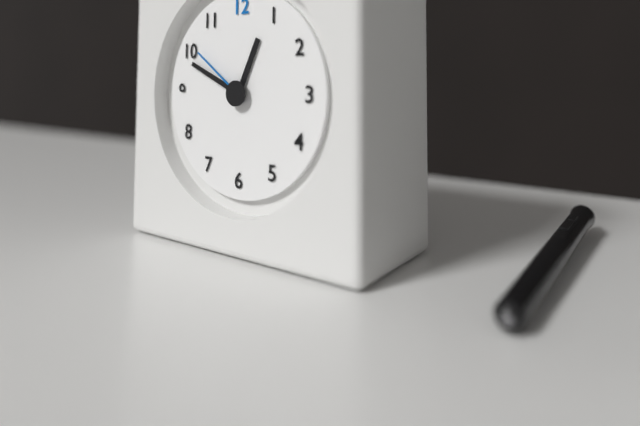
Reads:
{"hour": 12, "minute": 49, "second": 51}
